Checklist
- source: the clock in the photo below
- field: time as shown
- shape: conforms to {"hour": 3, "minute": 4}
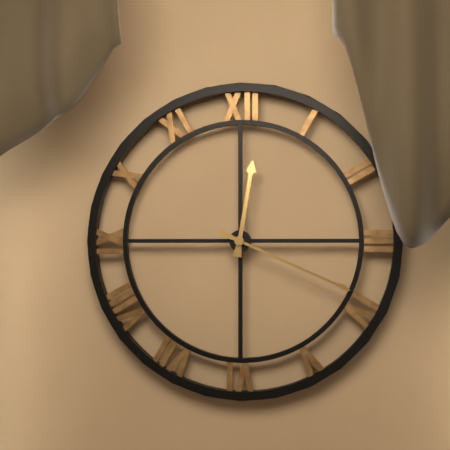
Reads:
{"hour": 12, "minute": 19}
